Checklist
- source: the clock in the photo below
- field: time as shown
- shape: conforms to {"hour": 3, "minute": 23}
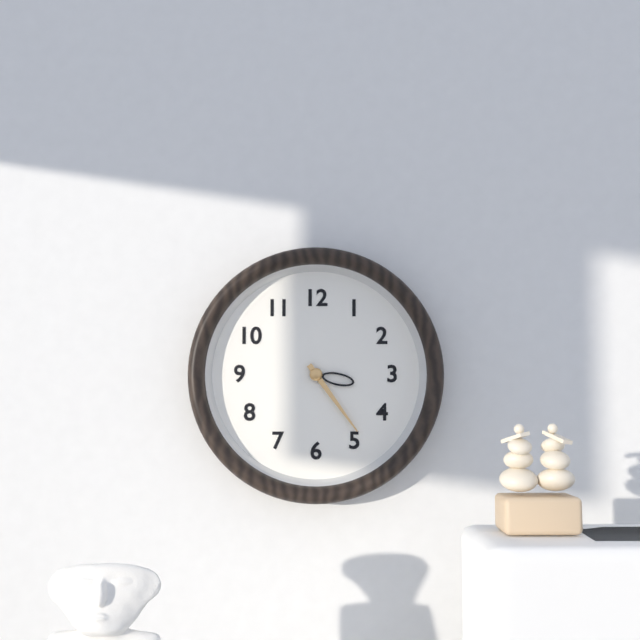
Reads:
{"hour": 3, "minute": 24}
